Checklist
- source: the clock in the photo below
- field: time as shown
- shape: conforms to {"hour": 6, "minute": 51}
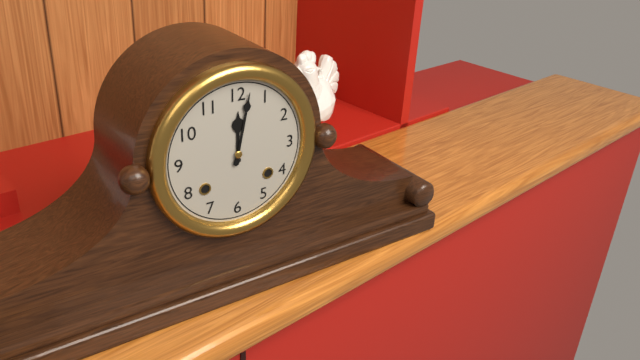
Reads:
{"hour": 12, "minute": 2}
